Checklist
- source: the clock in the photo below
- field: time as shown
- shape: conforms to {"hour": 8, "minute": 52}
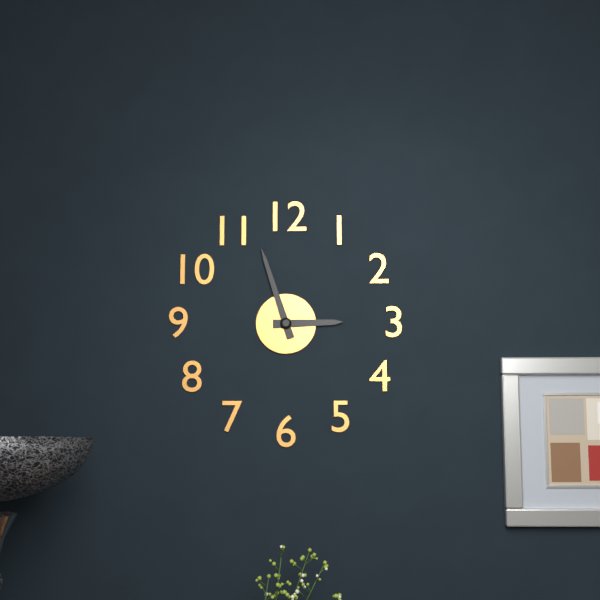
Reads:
{"hour": 2, "minute": 57}
